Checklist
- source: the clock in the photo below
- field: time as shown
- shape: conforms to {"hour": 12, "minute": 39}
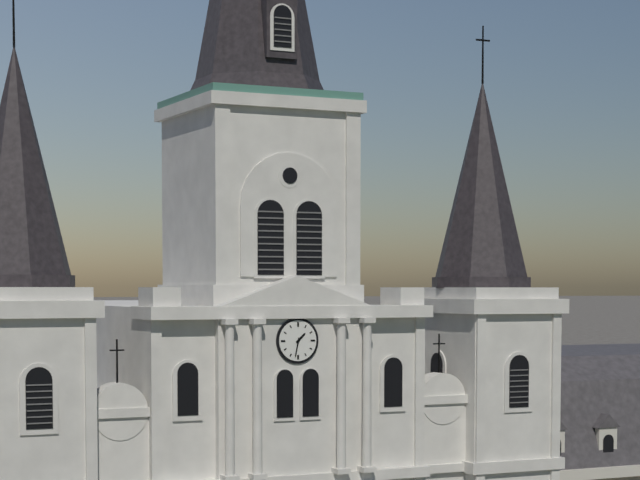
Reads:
{"hour": 1, "minute": 32}
